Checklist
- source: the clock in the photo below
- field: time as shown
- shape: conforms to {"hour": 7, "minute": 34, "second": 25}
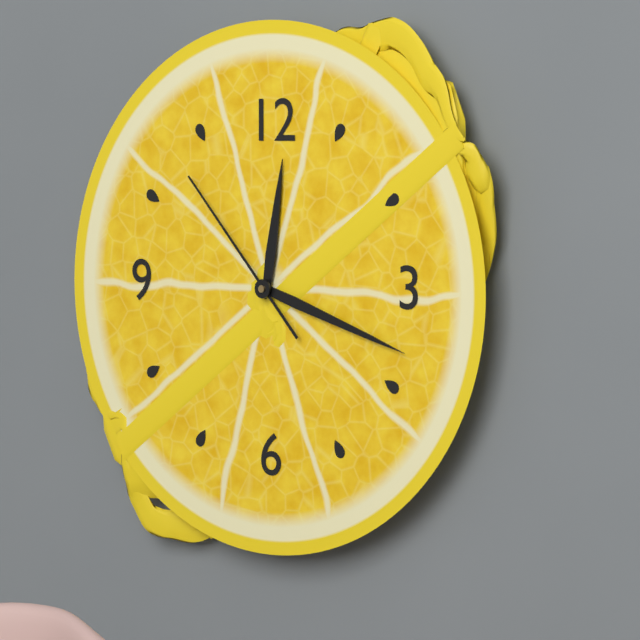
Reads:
{"hour": 12, "minute": 18, "second": 53}
